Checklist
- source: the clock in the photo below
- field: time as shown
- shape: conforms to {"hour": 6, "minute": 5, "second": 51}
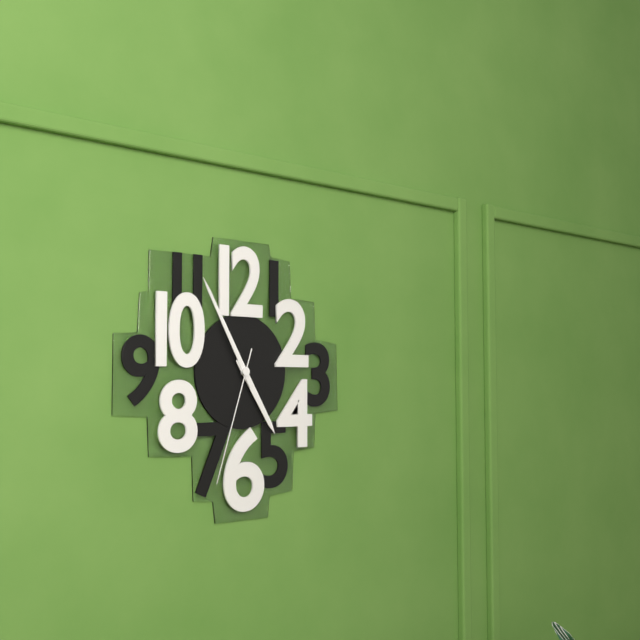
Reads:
{"hour": 4, "minute": 55, "second": 33}
